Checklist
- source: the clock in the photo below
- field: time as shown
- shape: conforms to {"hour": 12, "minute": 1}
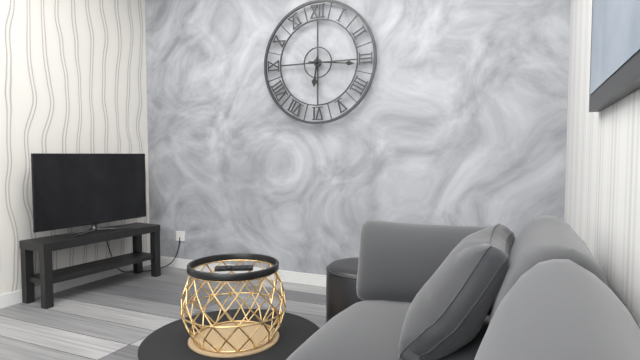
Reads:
{"hour": 6, "minute": 16}
